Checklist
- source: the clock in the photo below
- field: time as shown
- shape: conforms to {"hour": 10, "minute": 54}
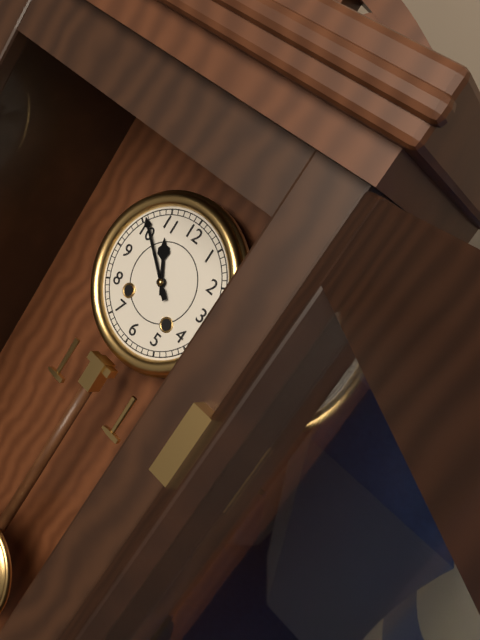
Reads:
{"hour": 10, "minute": 51}
